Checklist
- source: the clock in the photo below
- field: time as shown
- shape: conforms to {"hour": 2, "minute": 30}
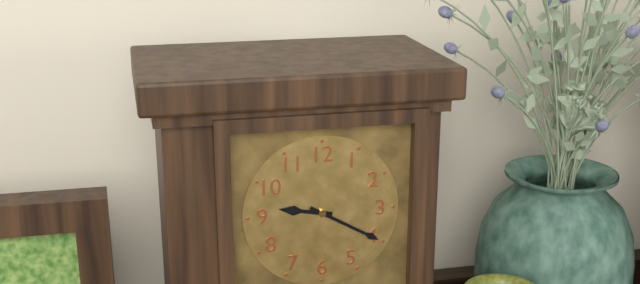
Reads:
{"hour": 9, "minute": 20}
